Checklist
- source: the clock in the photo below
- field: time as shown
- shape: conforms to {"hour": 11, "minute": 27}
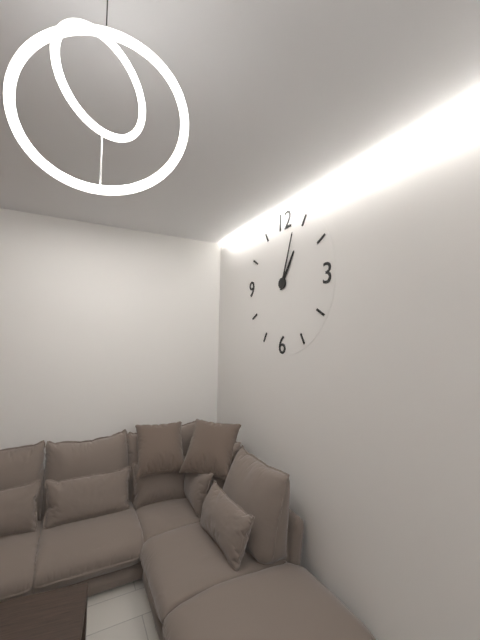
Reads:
{"hour": 1, "minute": 3}
